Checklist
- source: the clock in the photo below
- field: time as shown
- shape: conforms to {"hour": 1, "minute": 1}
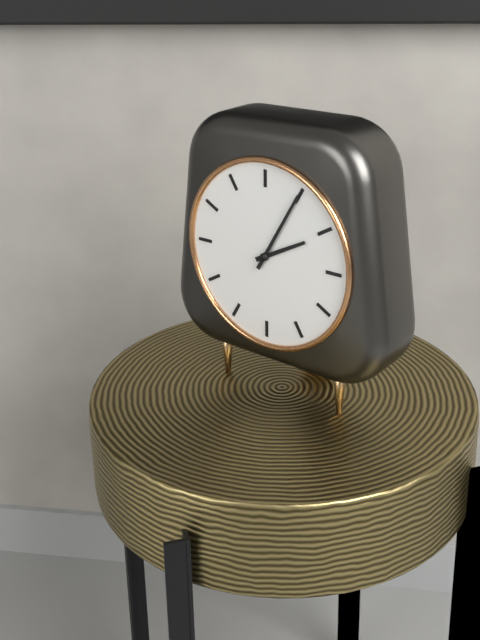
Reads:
{"hour": 2, "minute": 5}
